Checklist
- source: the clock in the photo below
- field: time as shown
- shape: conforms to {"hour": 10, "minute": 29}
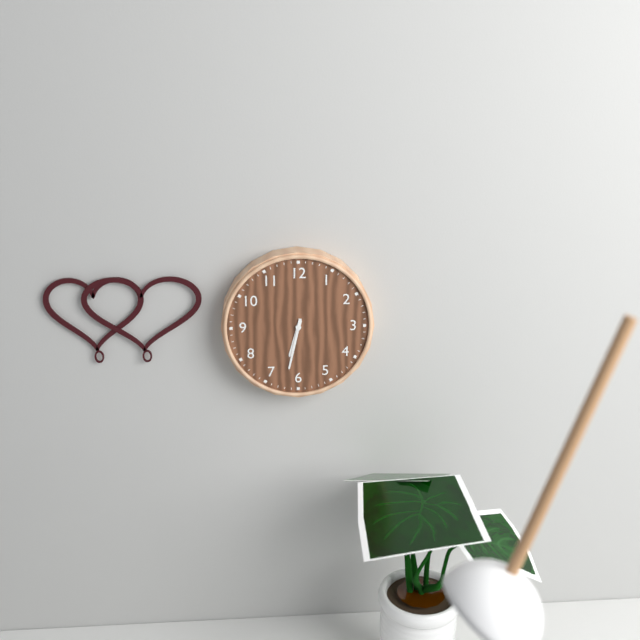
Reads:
{"hour": 6, "minute": 32}
